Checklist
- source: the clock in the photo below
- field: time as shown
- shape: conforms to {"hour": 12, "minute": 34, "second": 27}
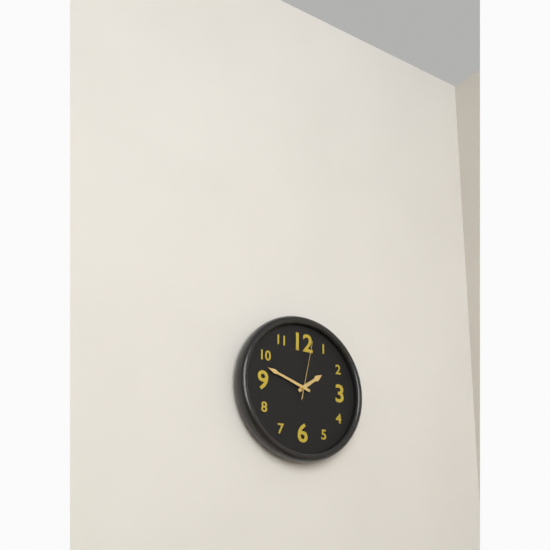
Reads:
{"hour": 1, "minute": 48, "second": 2}
